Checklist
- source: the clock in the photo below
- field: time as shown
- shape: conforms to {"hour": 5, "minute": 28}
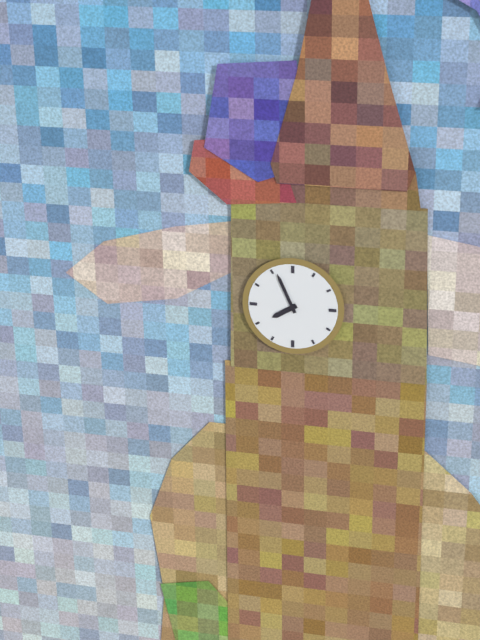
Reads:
{"hour": 7, "minute": 56}
